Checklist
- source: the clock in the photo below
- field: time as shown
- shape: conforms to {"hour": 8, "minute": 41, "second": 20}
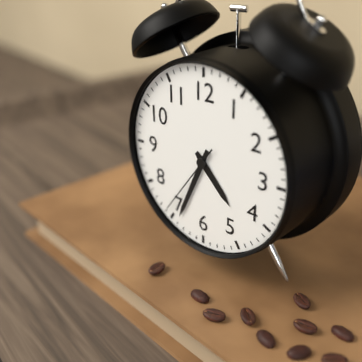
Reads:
{"hour": 4, "minute": 34, "second": 36}
